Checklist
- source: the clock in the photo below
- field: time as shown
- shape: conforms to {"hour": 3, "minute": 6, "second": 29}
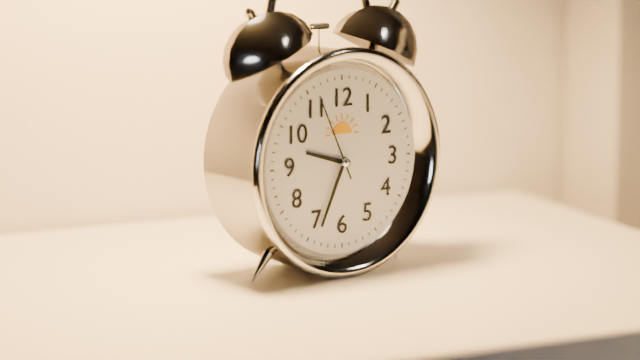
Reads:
{"hour": 9, "minute": 34, "second": 56}
